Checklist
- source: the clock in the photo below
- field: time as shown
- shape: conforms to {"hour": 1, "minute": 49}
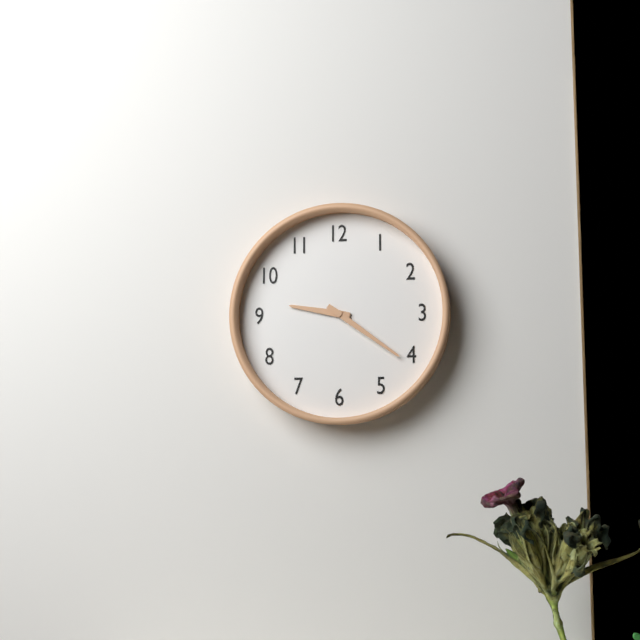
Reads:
{"hour": 9, "minute": 21}
